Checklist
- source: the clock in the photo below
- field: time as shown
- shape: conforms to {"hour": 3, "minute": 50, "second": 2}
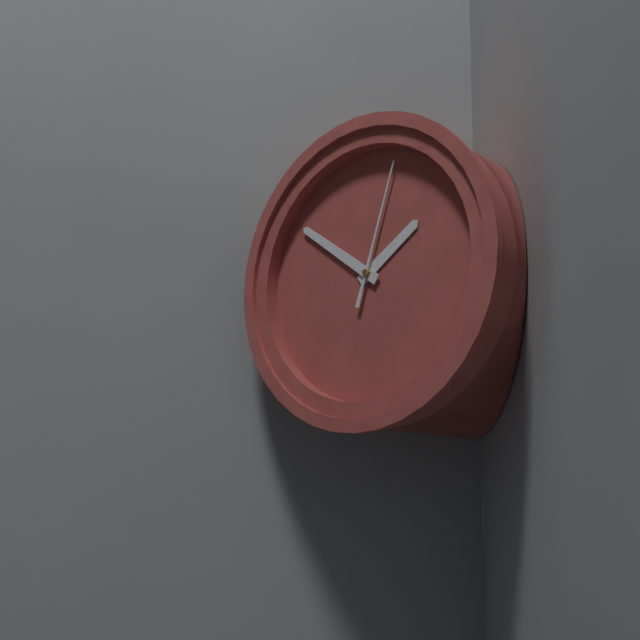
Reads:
{"hour": 1, "minute": 51, "second": 3}
